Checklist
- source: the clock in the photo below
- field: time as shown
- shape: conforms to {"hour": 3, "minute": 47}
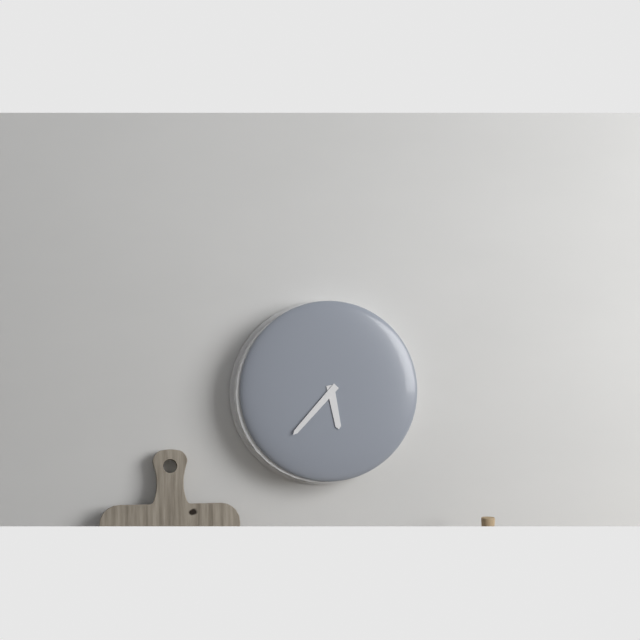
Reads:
{"hour": 5, "minute": 37}
